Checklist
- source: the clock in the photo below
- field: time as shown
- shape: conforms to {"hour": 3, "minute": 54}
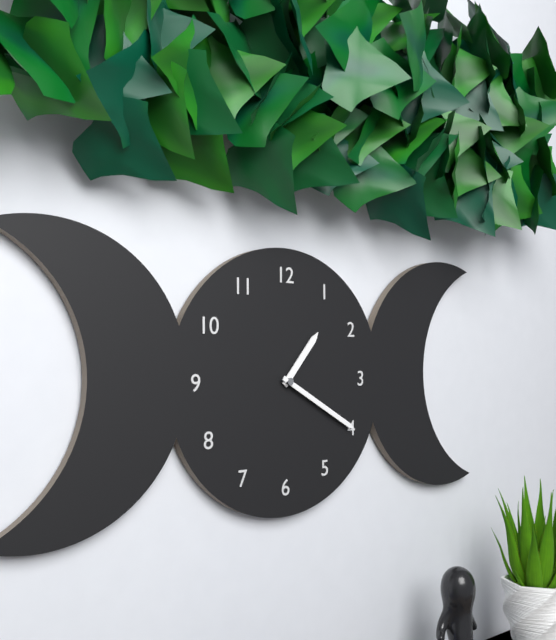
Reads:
{"hour": 1, "minute": 20}
